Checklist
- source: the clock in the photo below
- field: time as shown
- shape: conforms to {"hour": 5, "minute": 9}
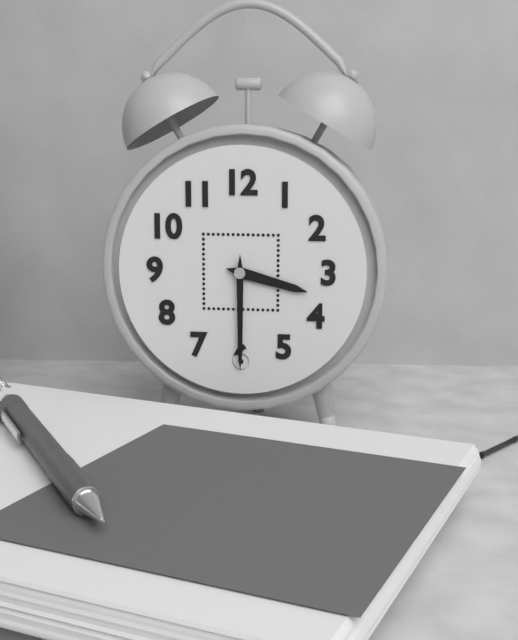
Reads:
{"hour": 3, "minute": 30}
